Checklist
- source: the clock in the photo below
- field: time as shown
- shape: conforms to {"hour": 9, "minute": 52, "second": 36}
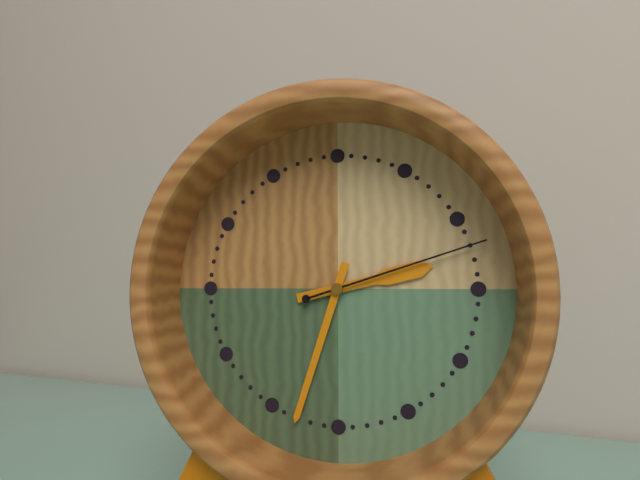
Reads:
{"hour": 2, "minute": 33, "second": 12}
